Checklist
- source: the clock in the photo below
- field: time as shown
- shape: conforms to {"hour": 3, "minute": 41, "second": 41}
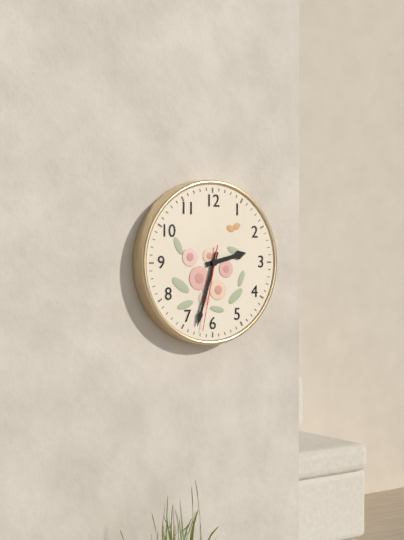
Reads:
{"hour": 2, "minute": 33, "second": 32}
